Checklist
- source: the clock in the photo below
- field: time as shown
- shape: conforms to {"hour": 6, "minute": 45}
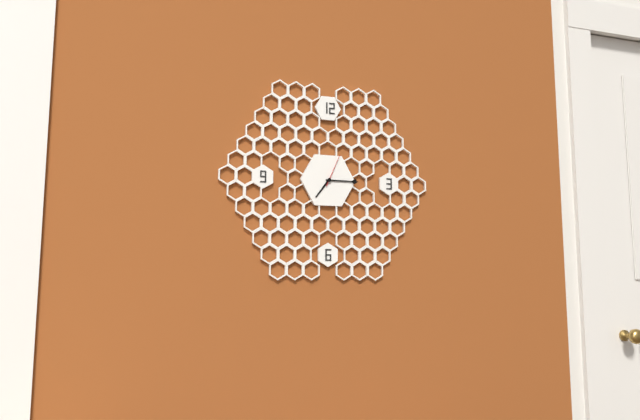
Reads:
{"hour": 7, "minute": 15}
